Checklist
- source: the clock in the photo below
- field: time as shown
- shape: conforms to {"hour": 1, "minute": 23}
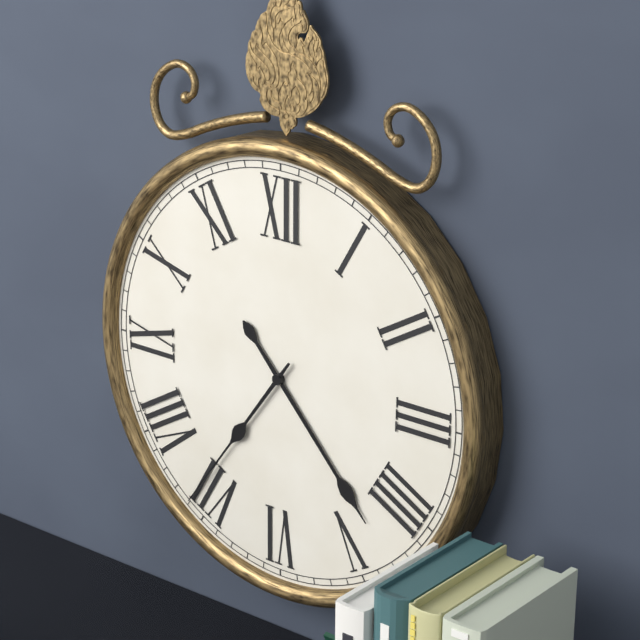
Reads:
{"hour": 4, "minute": 36}
